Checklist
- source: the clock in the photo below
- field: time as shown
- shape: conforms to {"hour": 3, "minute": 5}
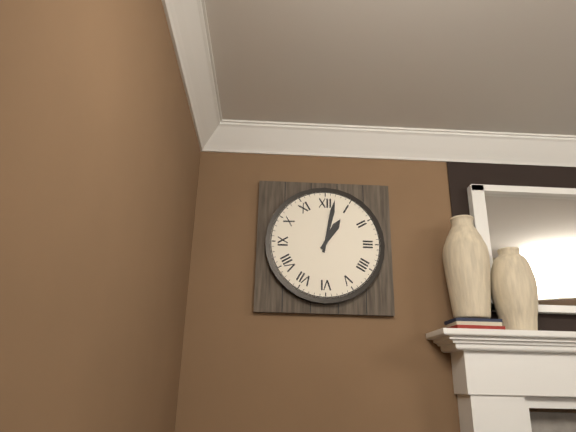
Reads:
{"hour": 1, "minute": 2}
